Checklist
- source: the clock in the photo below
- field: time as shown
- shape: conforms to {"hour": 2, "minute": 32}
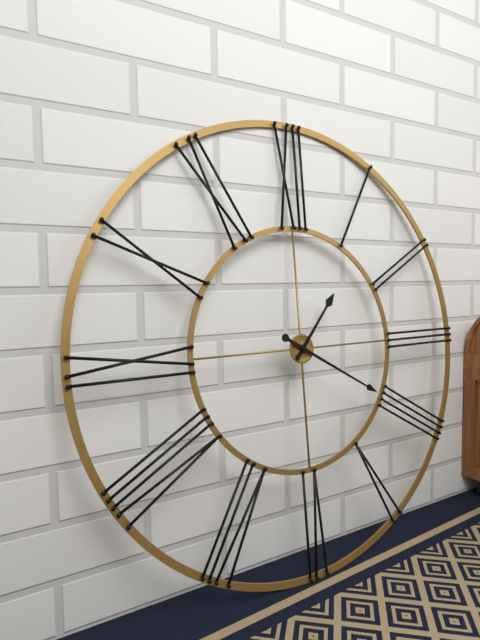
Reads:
{"hour": 1, "minute": 20}
